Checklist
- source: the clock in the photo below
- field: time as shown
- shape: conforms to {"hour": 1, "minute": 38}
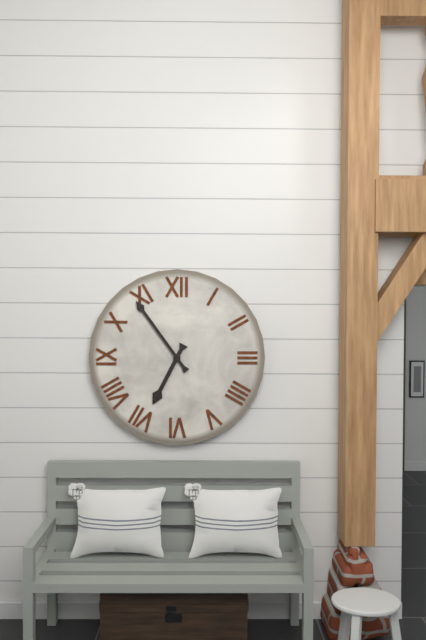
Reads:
{"hour": 6, "minute": 54}
